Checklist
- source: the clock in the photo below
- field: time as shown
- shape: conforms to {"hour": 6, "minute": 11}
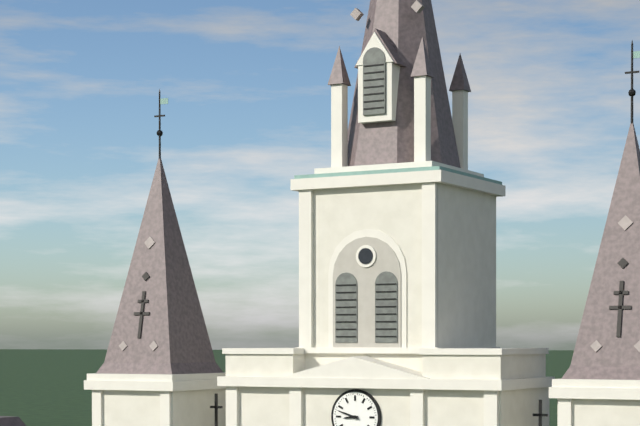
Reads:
{"hour": 8, "minute": 48}
